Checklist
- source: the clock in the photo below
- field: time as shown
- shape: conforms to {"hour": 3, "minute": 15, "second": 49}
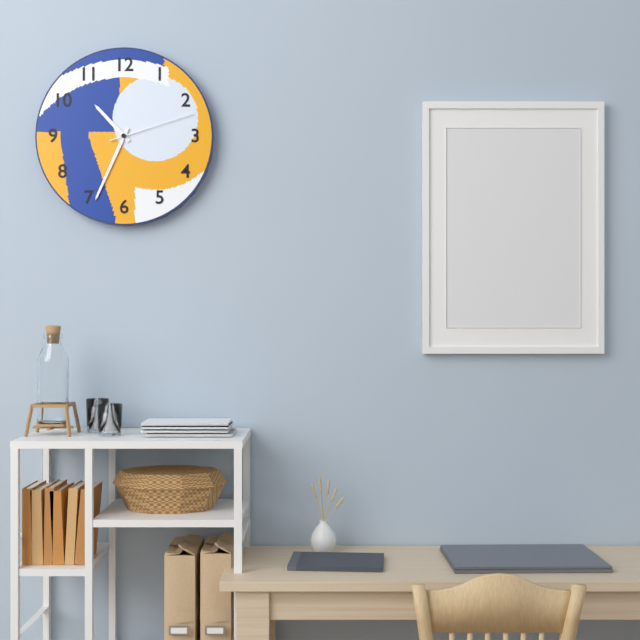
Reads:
{"hour": 10, "minute": 34, "second": 12}
